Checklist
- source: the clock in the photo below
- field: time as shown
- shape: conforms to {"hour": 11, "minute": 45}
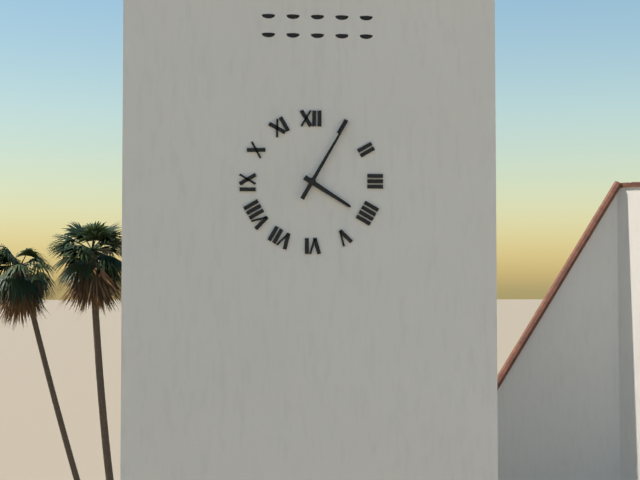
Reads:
{"hour": 4, "minute": 5}
